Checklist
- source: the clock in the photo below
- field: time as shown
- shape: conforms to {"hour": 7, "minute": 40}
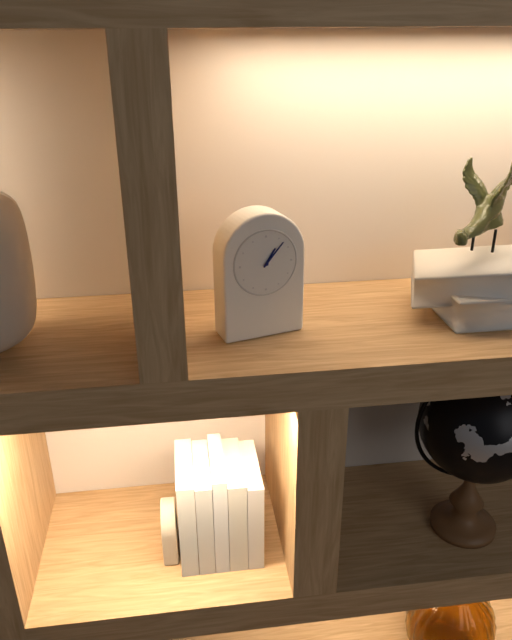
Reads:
{"hour": 1, "minute": 7}
